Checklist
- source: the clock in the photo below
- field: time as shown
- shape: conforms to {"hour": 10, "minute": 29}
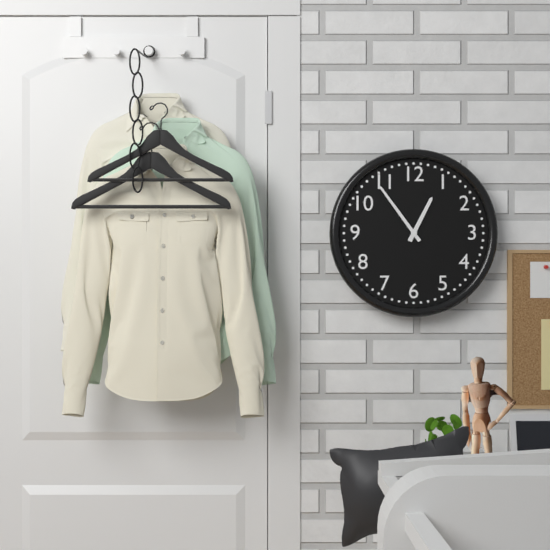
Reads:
{"hour": 12, "minute": 54}
